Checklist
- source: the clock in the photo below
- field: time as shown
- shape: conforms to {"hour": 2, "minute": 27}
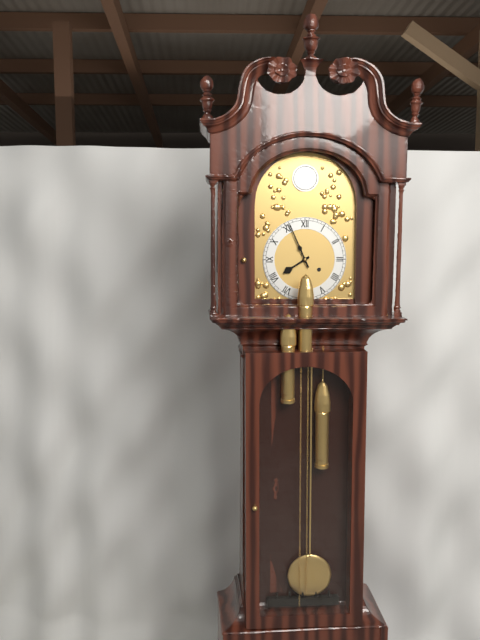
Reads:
{"hour": 7, "minute": 56}
